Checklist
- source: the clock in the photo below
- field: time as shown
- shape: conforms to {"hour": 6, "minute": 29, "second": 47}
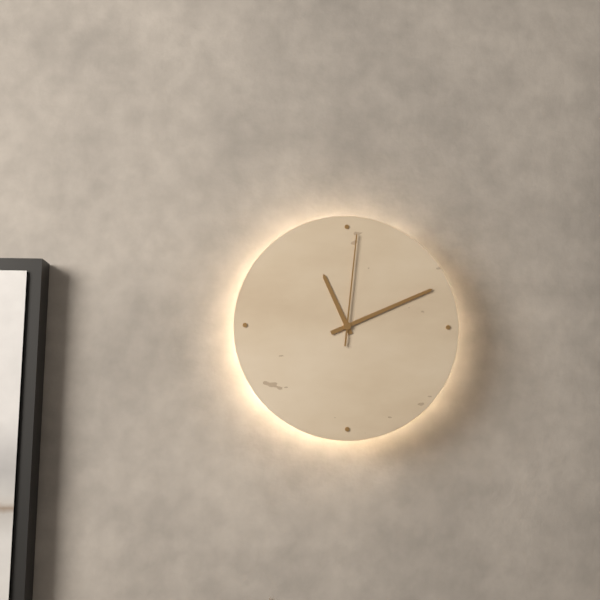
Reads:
{"hour": 11, "minute": 11, "second": 1}
